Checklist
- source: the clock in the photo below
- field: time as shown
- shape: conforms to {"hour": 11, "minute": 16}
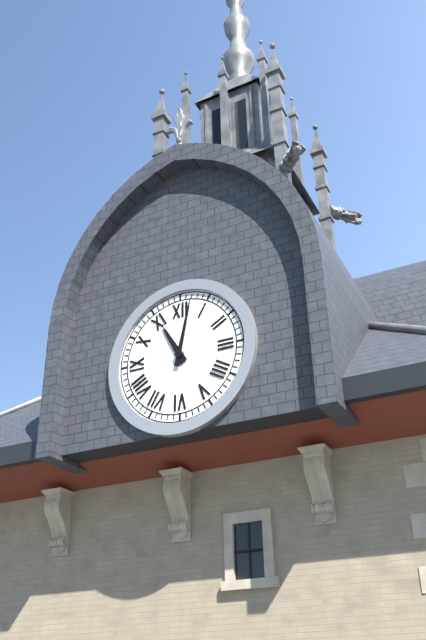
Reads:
{"hour": 11, "minute": 2}
